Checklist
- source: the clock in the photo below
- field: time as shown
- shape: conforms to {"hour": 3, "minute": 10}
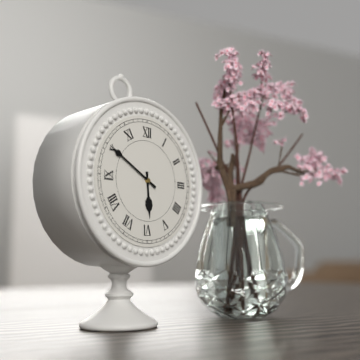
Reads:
{"hour": 5, "minute": 50}
